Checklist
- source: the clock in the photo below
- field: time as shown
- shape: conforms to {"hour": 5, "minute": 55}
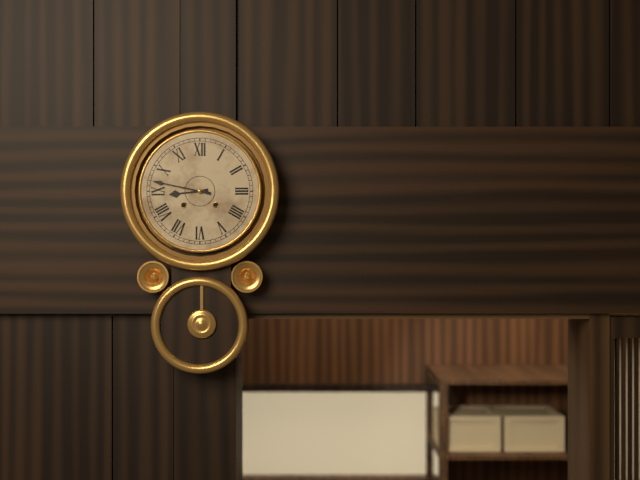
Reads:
{"hour": 8, "minute": 47}
